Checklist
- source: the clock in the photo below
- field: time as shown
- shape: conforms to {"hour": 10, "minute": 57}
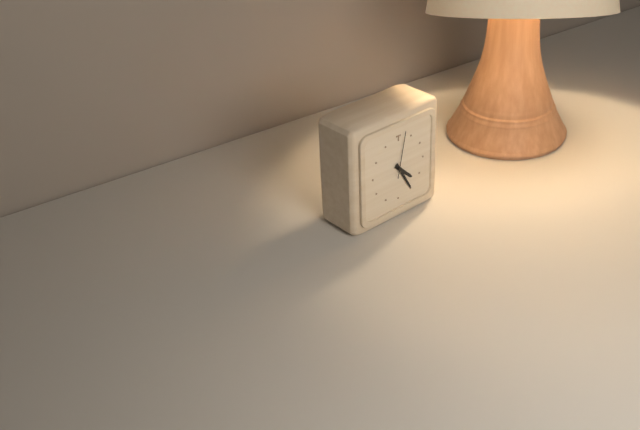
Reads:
{"hour": 4, "minute": 25}
